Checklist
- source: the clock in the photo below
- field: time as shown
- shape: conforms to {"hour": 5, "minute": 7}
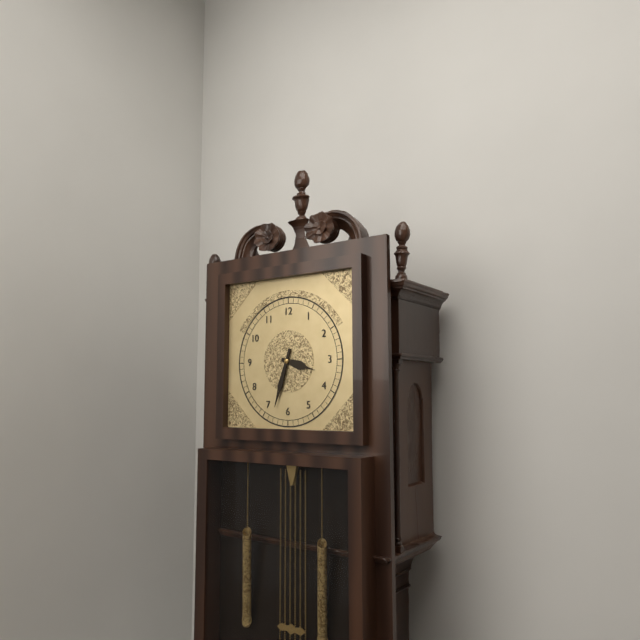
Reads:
{"hour": 3, "minute": 33}
